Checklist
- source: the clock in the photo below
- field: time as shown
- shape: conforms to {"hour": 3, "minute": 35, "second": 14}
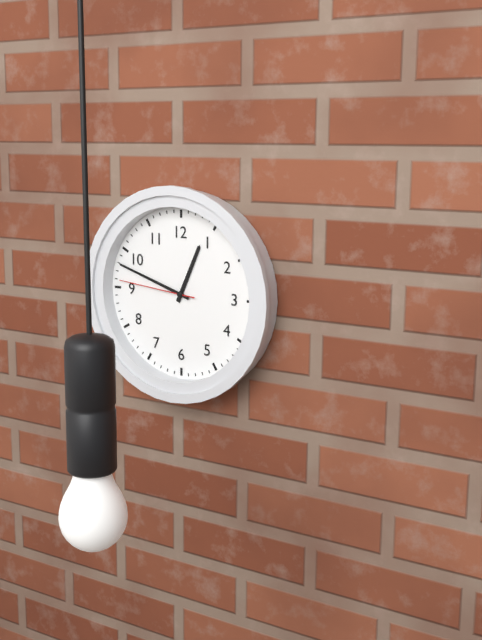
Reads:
{"hour": 12, "minute": 48, "second": 46}
